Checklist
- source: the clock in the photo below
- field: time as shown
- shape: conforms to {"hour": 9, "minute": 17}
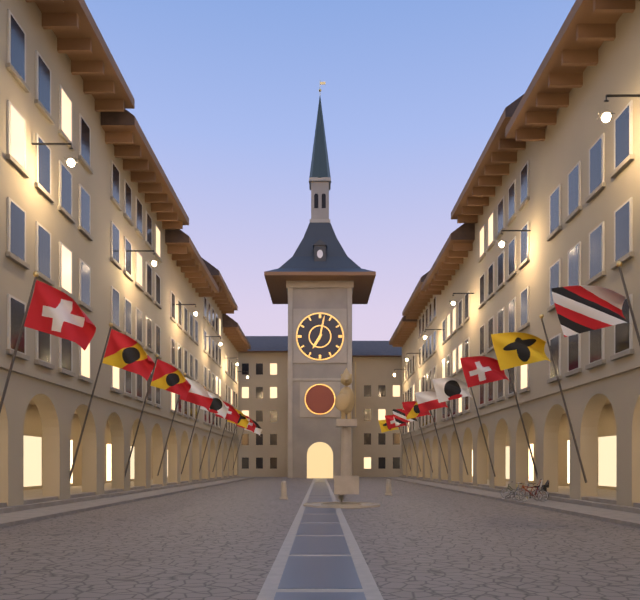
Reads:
{"hour": 7, "minute": 2}
